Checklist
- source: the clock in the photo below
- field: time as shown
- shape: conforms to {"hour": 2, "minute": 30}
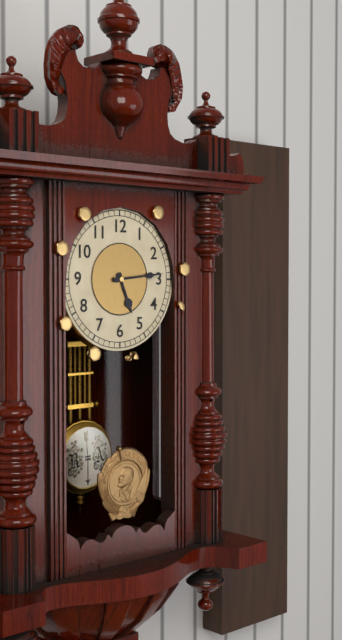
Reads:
{"hour": 5, "minute": 14}
